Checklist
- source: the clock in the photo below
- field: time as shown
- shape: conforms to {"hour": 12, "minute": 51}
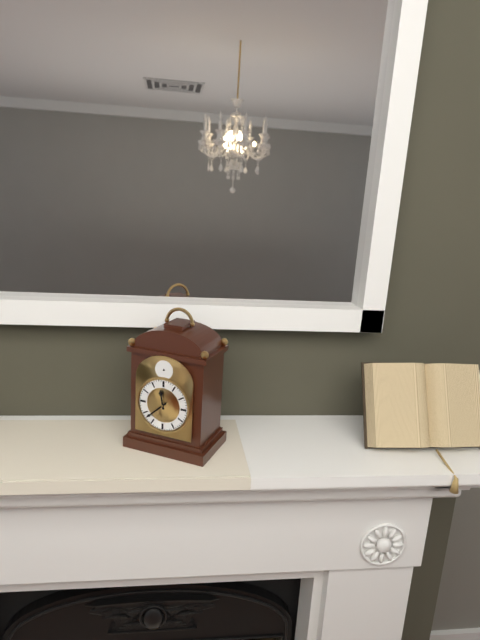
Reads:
{"hour": 11, "minute": 38}
